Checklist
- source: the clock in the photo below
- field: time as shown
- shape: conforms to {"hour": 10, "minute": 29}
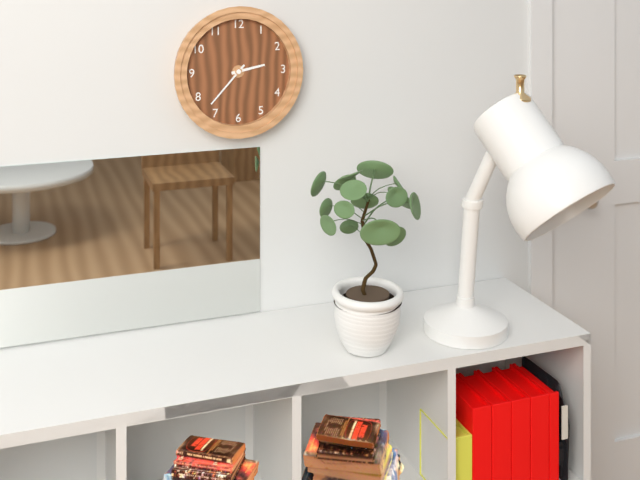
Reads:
{"hour": 2, "minute": 37}
